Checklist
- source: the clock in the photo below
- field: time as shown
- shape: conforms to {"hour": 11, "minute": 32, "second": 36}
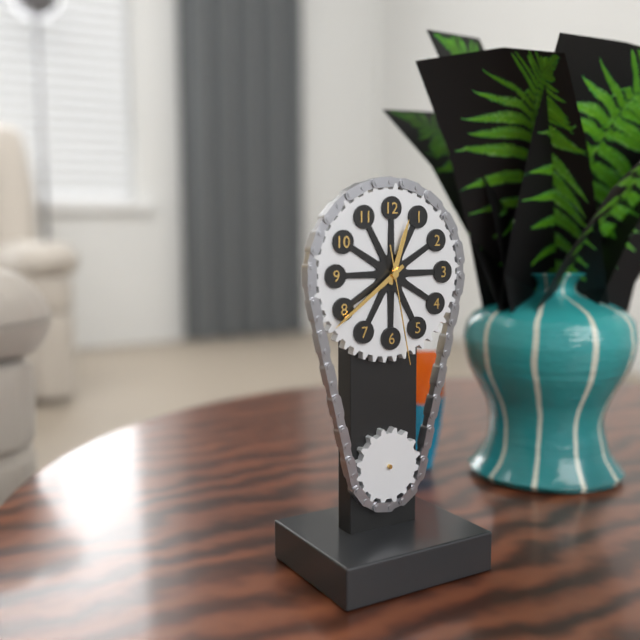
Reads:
{"hour": 12, "minute": 39, "second": 28}
